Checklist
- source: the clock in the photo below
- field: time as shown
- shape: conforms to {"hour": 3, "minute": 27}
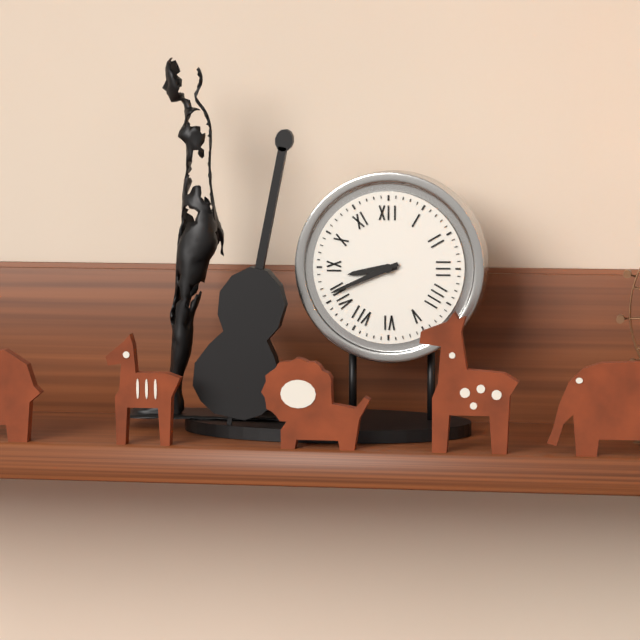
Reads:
{"hour": 8, "minute": 41}
